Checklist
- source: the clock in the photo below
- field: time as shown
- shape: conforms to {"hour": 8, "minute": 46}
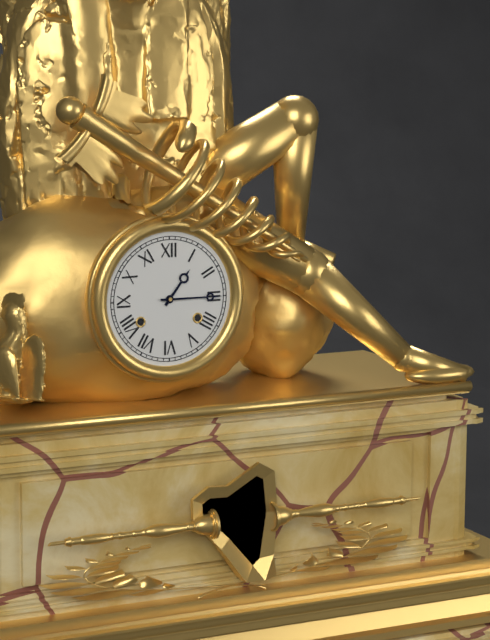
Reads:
{"hour": 1, "minute": 15}
